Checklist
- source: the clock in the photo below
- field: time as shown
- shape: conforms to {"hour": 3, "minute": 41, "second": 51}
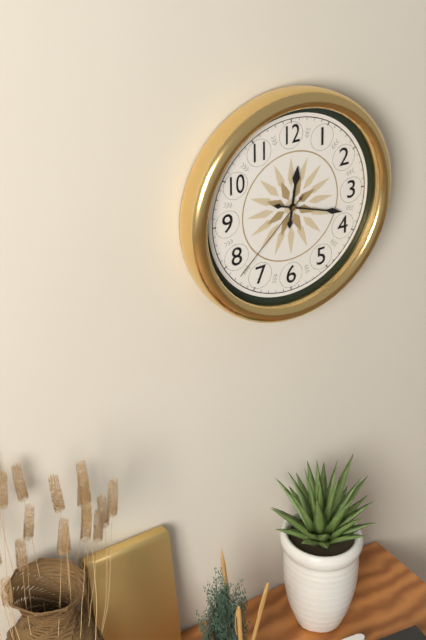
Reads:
{"hour": 12, "minute": 18, "second": 38}
